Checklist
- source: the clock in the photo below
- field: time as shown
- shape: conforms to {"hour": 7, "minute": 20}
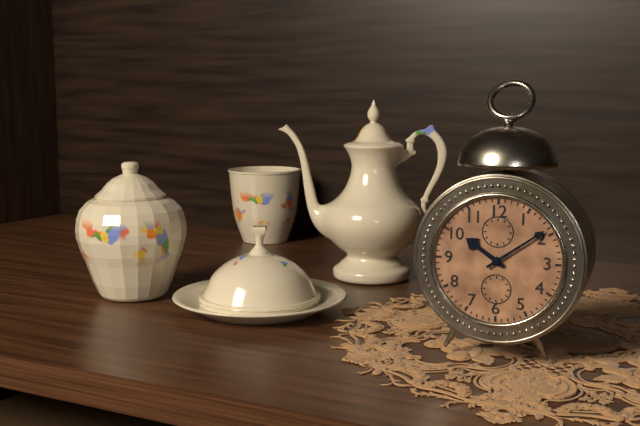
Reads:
{"hour": 10, "minute": 9}
